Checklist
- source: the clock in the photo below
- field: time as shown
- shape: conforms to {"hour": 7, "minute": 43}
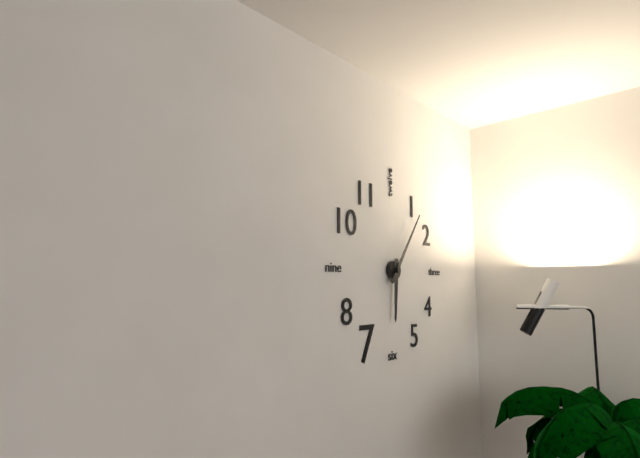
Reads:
{"hour": 6, "minute": 6}
